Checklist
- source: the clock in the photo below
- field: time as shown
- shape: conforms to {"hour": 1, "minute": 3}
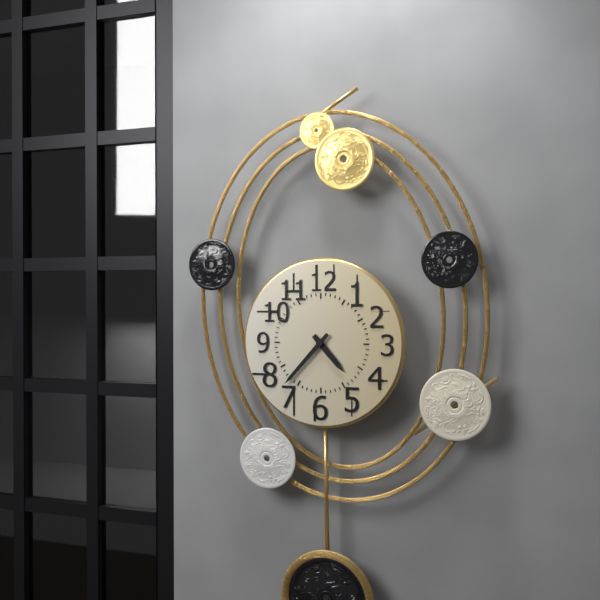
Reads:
{"hour": 4, "minute": 37}
